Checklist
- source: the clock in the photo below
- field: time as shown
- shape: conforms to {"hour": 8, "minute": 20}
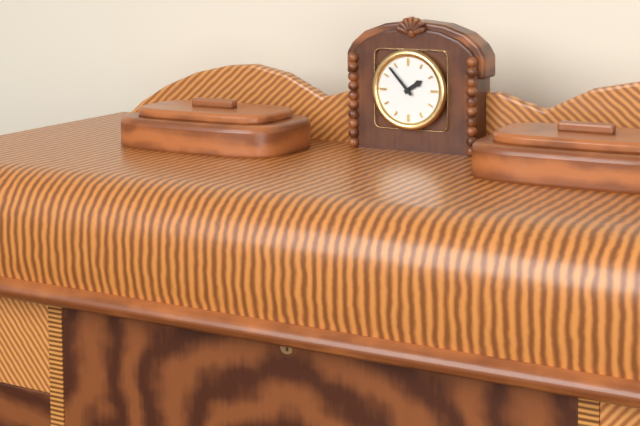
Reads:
{"hour": 1, "minute": 53}
